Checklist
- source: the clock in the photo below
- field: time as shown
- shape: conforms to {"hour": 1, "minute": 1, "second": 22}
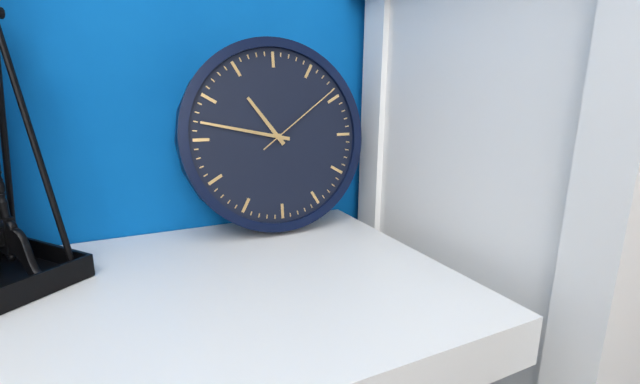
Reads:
{"hour": 10, "minute": 47, "second": 9}
